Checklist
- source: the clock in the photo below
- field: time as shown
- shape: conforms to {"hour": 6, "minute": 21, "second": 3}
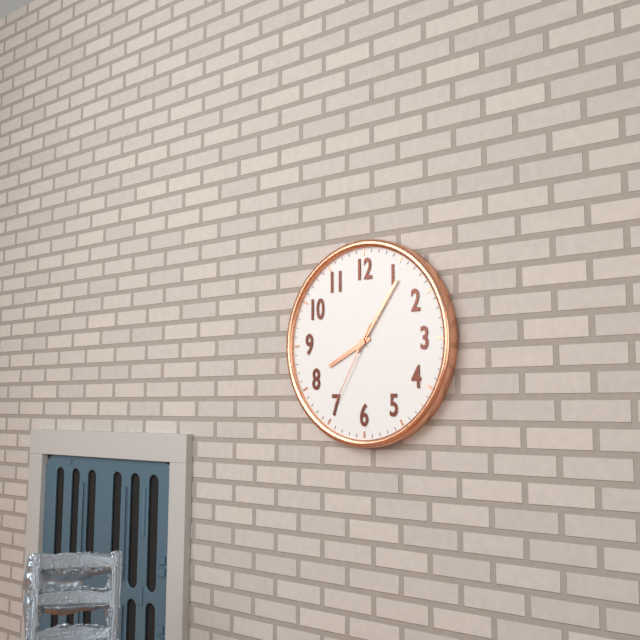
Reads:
{"hour": 8, "minute": 6, "second": 35}
